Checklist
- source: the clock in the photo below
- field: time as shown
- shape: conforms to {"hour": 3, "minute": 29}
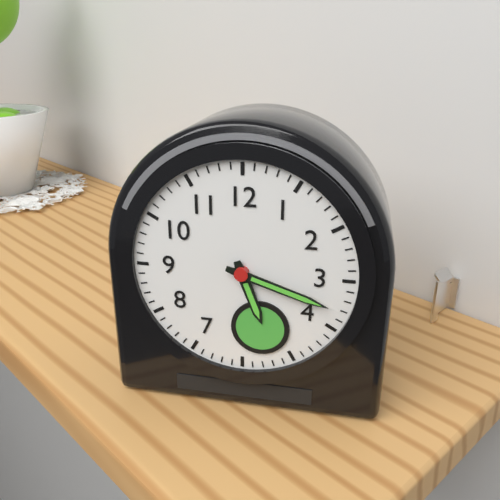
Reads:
{"hour": 5, "minute": 18}
